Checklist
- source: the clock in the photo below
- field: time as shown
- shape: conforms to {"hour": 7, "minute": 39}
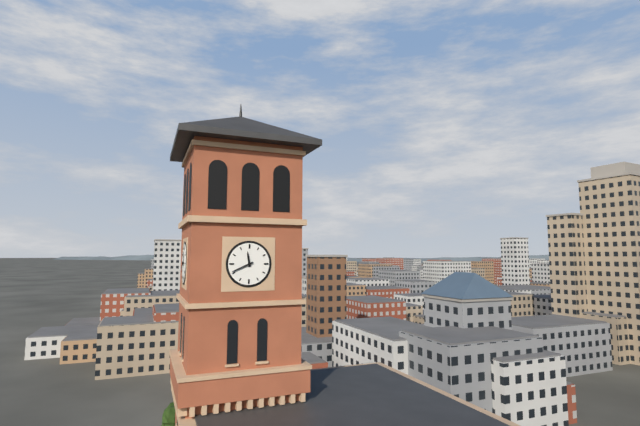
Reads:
{"hour": 11, "minute": 41}
